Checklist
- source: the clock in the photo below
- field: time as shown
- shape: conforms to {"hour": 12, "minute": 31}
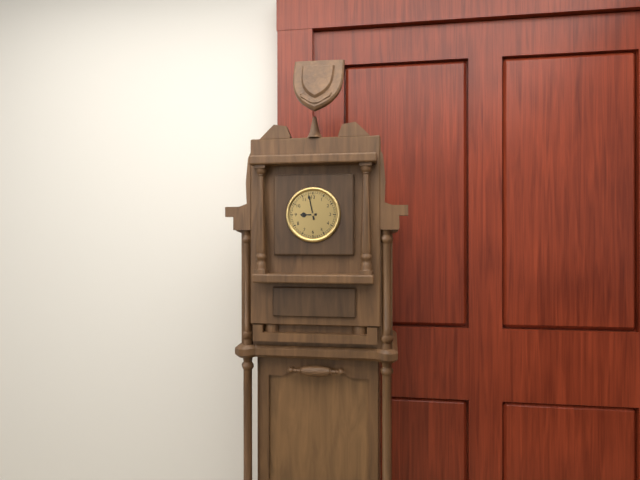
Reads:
{"hour": 8, "minute": 58}
